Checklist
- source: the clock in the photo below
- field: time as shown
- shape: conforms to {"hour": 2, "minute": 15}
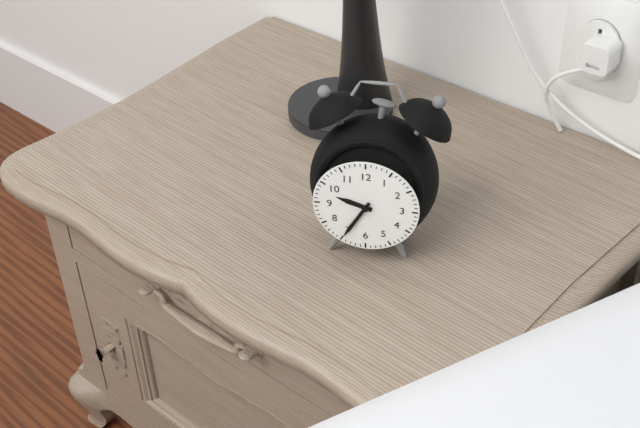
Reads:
{"hour": 9, "minute": 35}
